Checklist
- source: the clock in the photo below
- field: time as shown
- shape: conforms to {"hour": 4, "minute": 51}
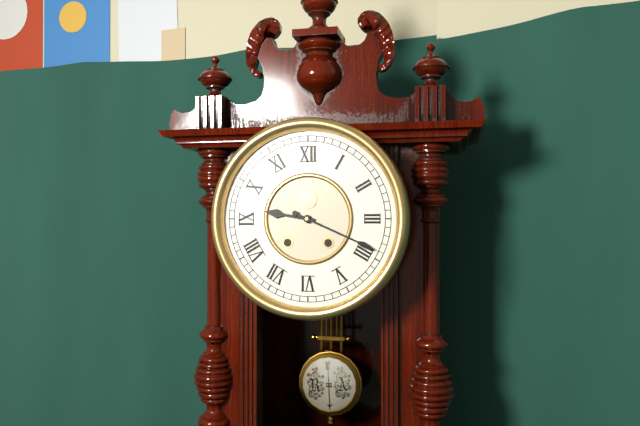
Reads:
{"hour": 9, "minute": 19}
